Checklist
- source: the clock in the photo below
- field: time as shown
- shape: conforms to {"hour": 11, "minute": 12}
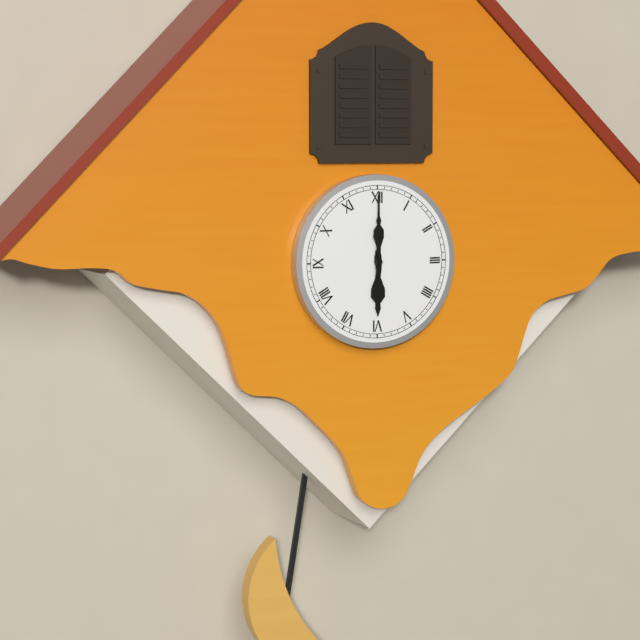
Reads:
{"hour": 6, "minute": 0}
